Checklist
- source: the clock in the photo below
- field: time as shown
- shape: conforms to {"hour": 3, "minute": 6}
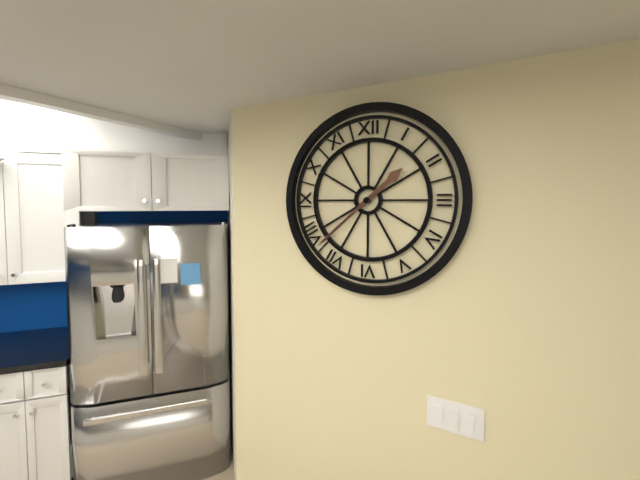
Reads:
{"hour": 1, "minute": 38}
